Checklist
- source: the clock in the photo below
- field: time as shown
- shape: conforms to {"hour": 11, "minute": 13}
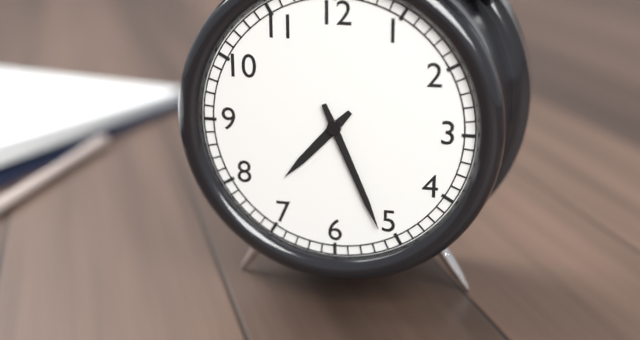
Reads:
{"hour": 7, "minute": 26}
